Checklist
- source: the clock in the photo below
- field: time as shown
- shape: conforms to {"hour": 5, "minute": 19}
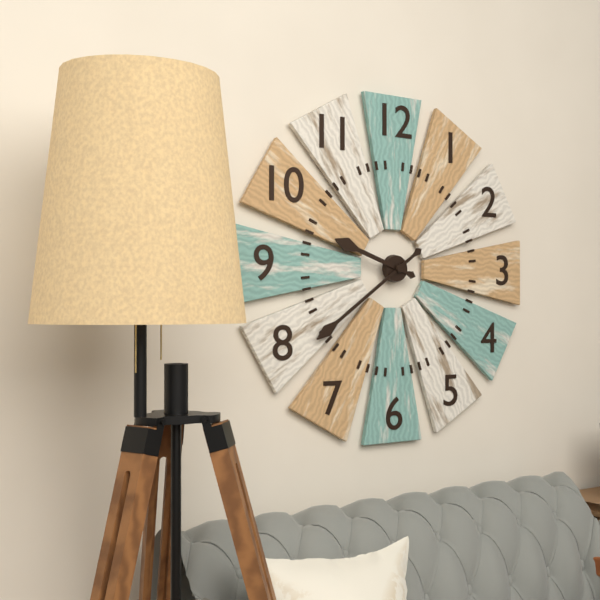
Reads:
{"hour": 9, "minute": 39}
